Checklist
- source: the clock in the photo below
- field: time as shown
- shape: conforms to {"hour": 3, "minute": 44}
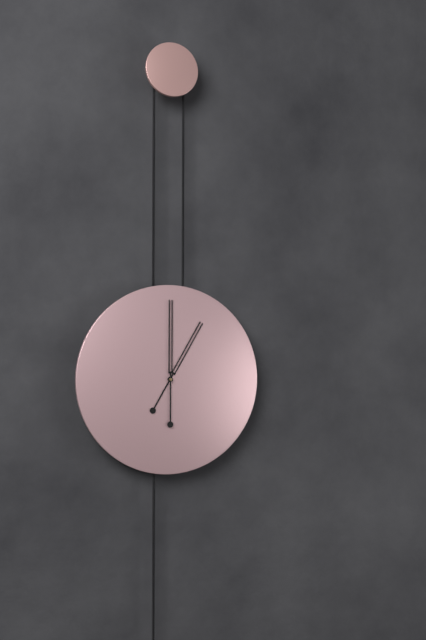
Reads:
{"hour": 1, "minute": 0}
